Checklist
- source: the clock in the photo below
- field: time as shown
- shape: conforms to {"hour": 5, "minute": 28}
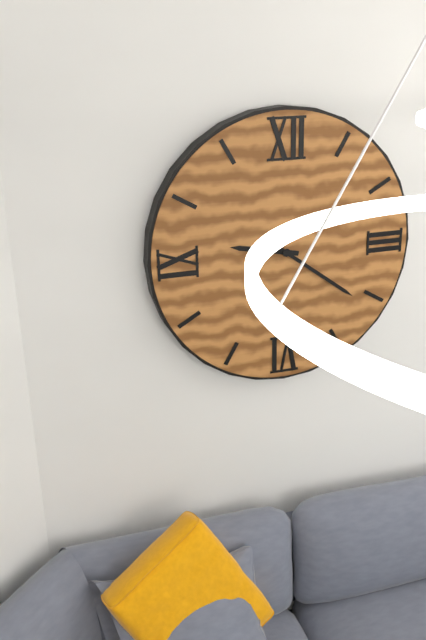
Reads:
{"hour": 9, "minute": 21}
